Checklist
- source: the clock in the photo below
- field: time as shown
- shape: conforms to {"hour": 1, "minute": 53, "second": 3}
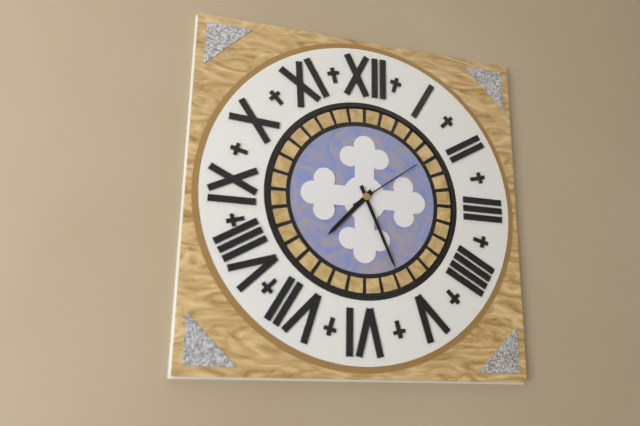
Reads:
{"hour": 7, "minute": 26, "second": 9}
